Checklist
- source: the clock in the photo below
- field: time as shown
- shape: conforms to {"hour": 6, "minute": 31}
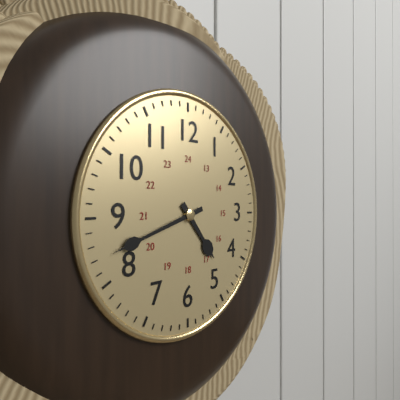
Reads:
{"hour": 4, "minute": 42}
